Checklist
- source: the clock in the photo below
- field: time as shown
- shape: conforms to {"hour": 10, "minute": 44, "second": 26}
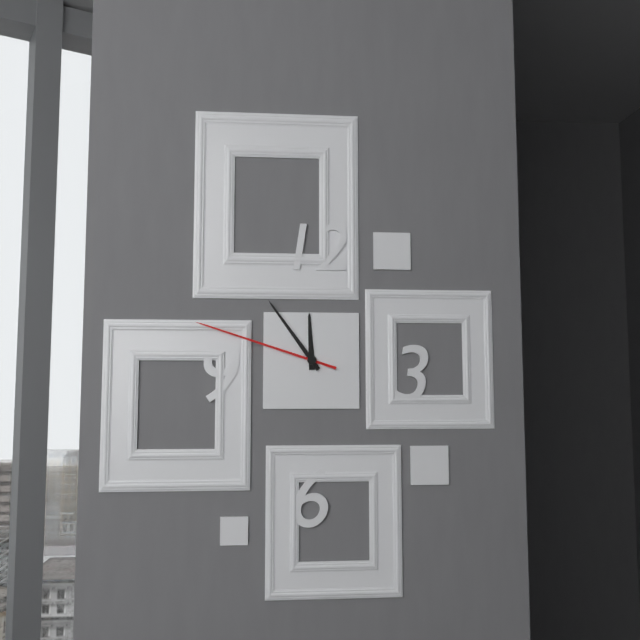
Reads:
{"hour": 11, "minute": 54, "second": 48}
